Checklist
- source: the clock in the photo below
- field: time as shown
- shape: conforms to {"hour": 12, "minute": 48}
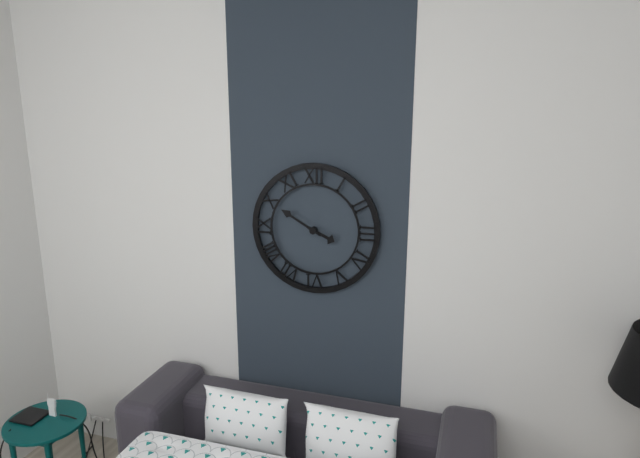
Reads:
{"hour": 3, "minute": 50}
